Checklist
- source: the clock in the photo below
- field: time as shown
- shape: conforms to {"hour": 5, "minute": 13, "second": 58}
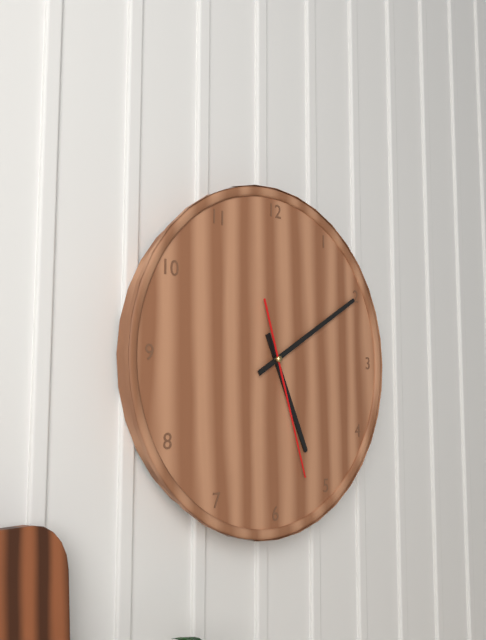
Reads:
{"hour": 5, "minute": 10, "second": 27}
